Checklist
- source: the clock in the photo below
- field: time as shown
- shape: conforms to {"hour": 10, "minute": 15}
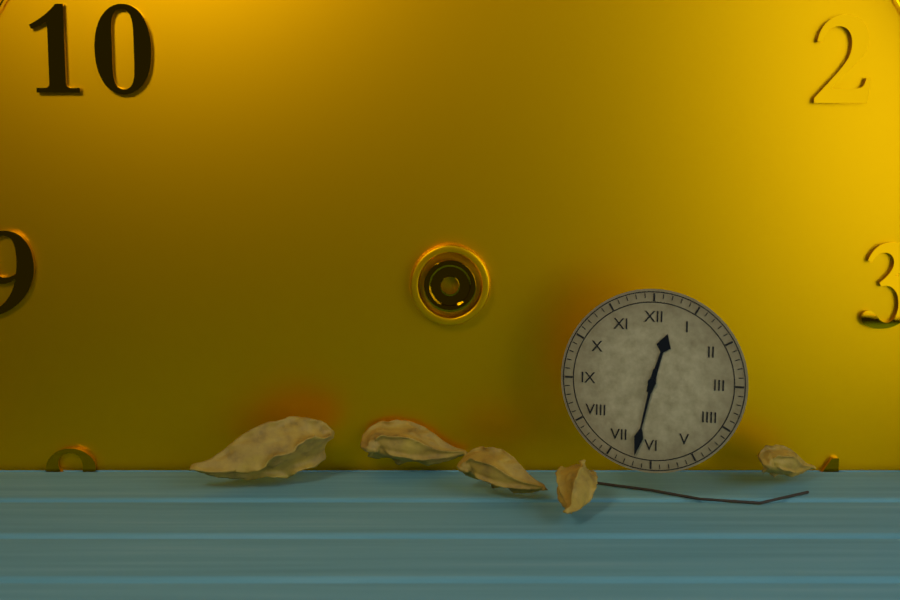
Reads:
{"hour": 12, "minute": 32}
